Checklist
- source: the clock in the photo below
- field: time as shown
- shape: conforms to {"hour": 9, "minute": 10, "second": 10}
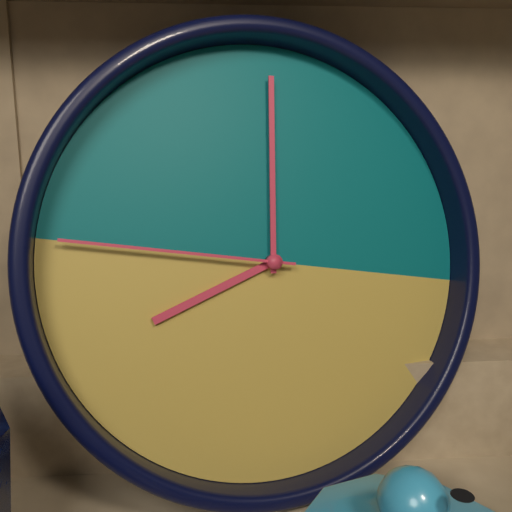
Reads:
{"hour": 7, "minute": 59, "second": 45}
